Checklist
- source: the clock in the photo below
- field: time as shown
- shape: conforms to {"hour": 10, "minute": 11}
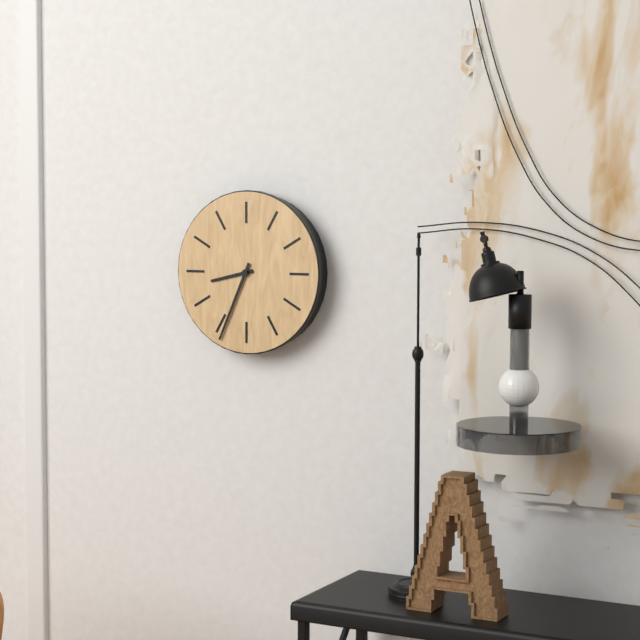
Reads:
{"hour": 8, "minute": 34}
